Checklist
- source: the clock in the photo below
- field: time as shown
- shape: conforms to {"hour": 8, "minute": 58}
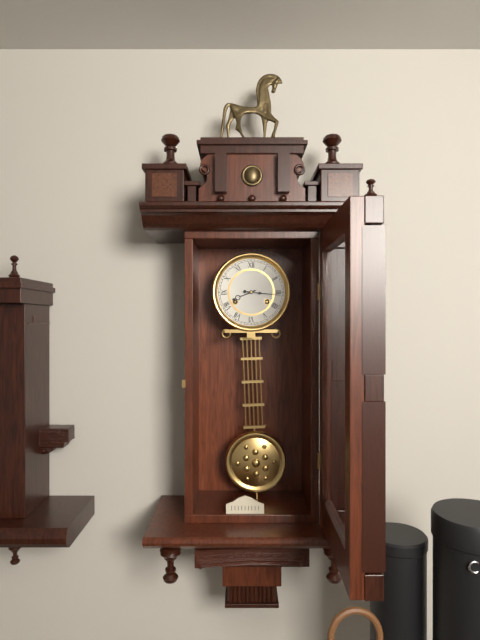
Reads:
{"hour": 8, "minute": 16}
